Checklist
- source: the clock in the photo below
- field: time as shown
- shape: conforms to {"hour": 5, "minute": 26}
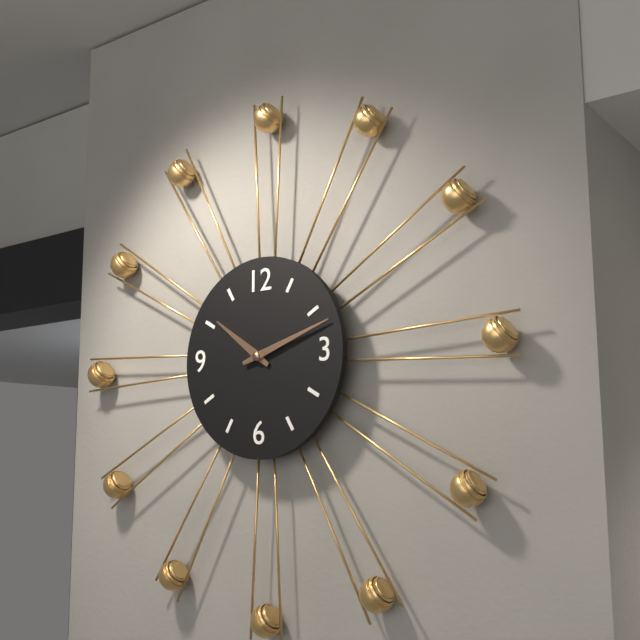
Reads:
{"hour": 10, "minute": 12}
